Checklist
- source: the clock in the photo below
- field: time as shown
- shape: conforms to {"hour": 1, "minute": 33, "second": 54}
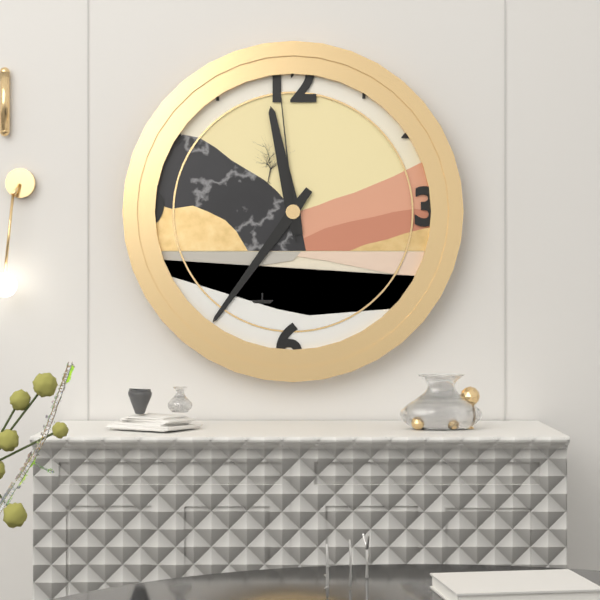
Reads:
{"hour": 11, "minute": 36, "second": 59}
